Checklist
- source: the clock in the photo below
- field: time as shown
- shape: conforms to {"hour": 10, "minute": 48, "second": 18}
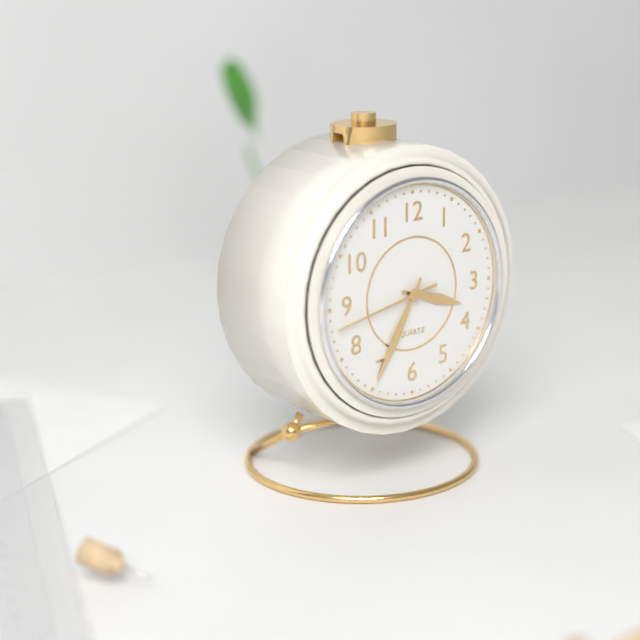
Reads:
{"hour": 3, "minute": 35, "second": 43}
